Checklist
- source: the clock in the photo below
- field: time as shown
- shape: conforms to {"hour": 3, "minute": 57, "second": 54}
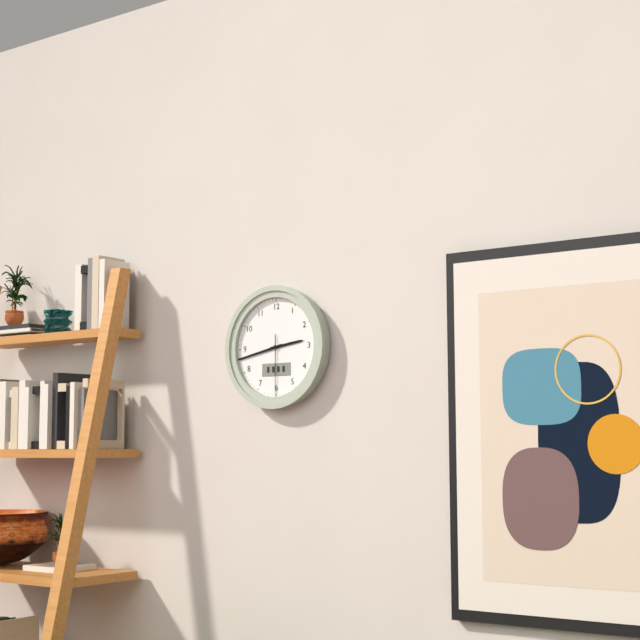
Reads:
{"hour": 2, "minute": 43, "second": 30}
